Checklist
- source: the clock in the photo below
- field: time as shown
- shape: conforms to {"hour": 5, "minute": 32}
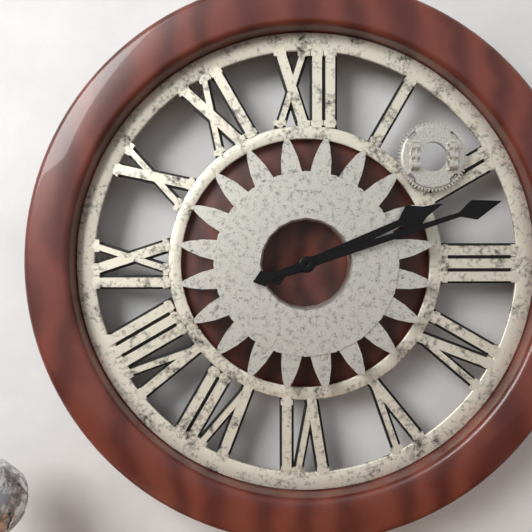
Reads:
{"hour": 2, "minute": 12}
